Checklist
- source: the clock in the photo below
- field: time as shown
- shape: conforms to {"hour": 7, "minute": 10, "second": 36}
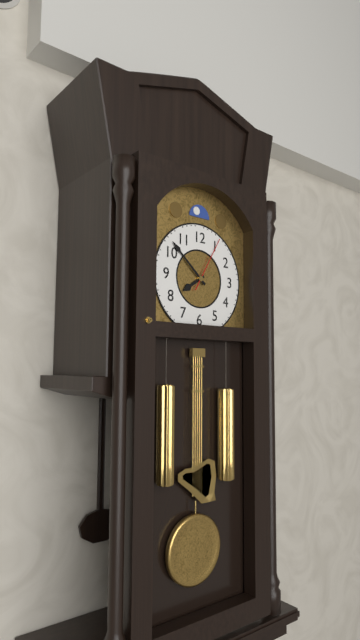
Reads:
{"hour": 7, "minute": 52, "second": 5}
